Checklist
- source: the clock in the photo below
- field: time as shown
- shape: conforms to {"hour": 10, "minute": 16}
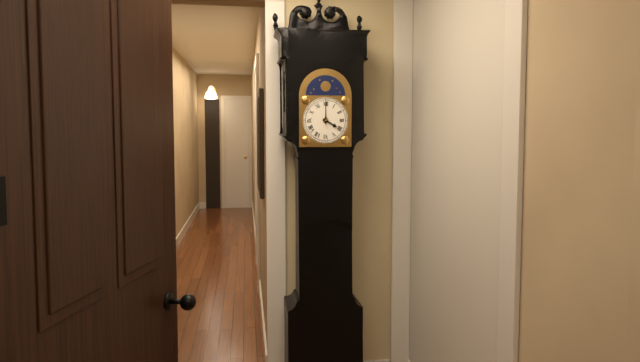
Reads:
{"hour": 4, "minute": 0}
